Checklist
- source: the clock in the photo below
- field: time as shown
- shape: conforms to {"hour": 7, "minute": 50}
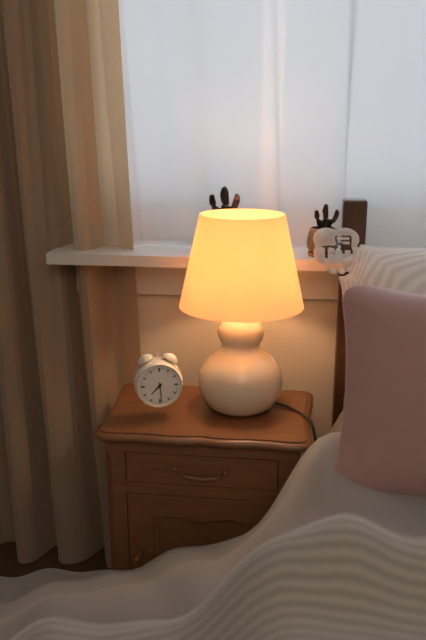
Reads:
{"hour": 7, "minute": 29}
